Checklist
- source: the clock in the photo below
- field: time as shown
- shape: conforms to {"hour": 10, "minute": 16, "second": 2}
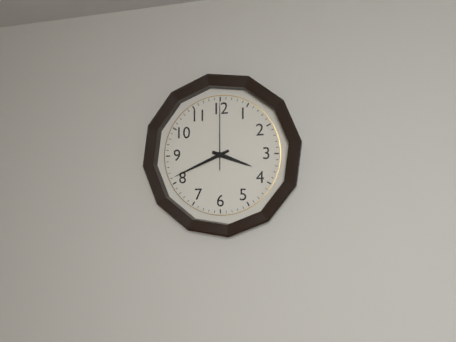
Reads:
{"hour": 3, "minute": 41, "second": 0}
